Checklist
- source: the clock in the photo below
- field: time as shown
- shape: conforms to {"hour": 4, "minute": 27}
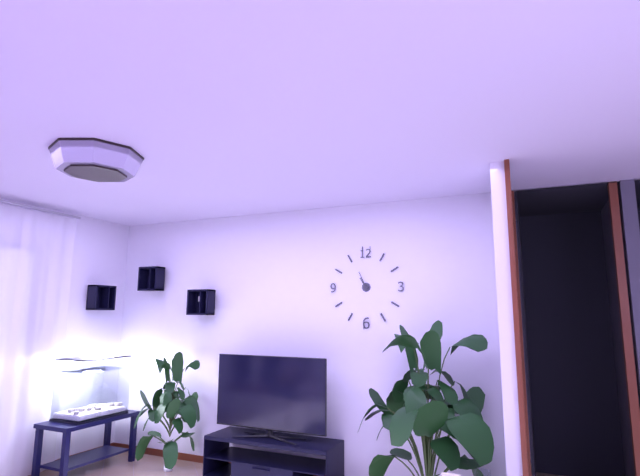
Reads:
{"hour": 10, "minute": 56}
